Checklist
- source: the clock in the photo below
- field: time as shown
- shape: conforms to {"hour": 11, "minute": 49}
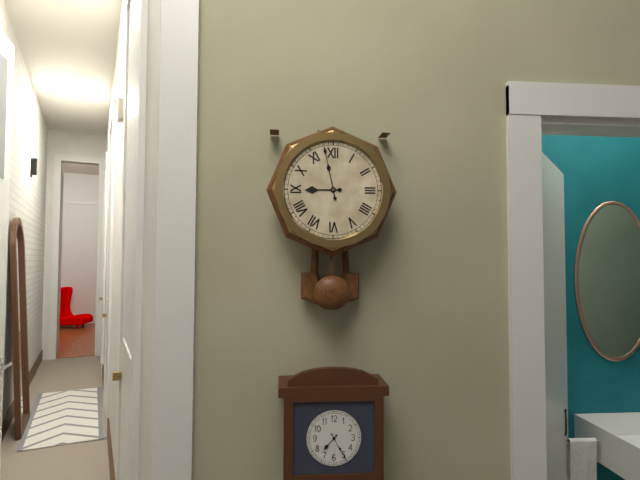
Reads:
{"hour": 8, "minute": 58}
